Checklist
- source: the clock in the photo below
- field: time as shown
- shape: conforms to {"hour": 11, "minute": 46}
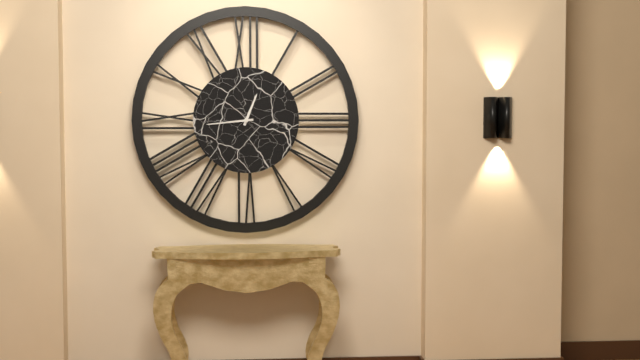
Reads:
{"hour": 12, "minute": 44}
